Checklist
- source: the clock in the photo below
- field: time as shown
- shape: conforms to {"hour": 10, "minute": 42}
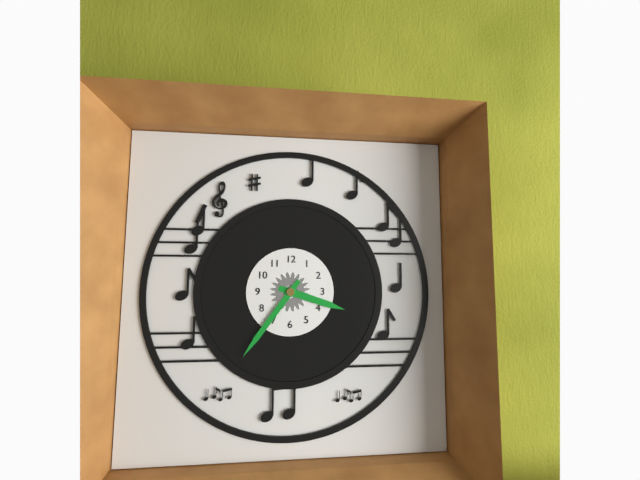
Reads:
{"hour": 3, "minute": 36}
